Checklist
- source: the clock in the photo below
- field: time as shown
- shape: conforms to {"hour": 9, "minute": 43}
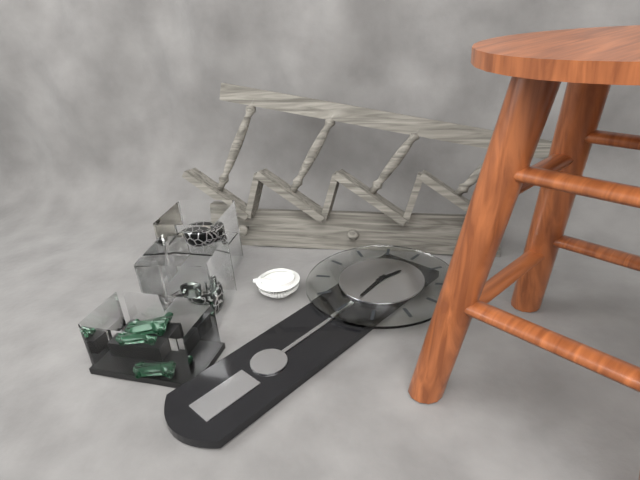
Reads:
{"hour": 12, "minute": 29}
